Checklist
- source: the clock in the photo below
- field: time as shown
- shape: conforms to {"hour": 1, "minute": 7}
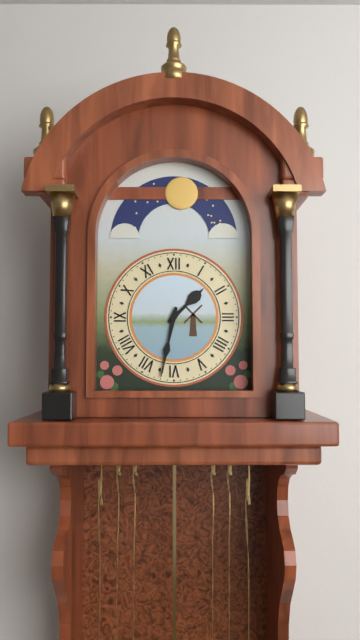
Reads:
{"hour": 1, "minute": 32}
